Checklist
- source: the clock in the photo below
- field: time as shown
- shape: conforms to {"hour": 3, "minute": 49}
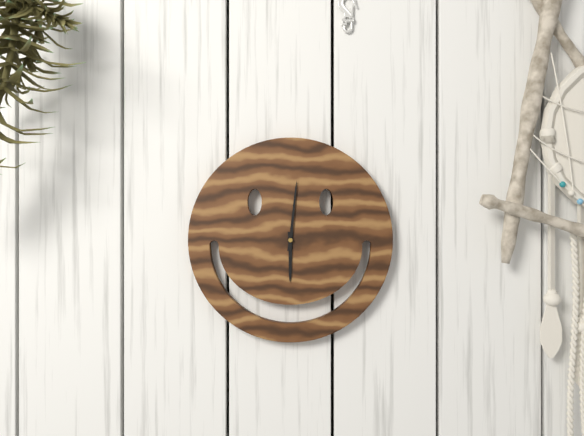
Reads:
{"hour": 6, "minute": 1}
